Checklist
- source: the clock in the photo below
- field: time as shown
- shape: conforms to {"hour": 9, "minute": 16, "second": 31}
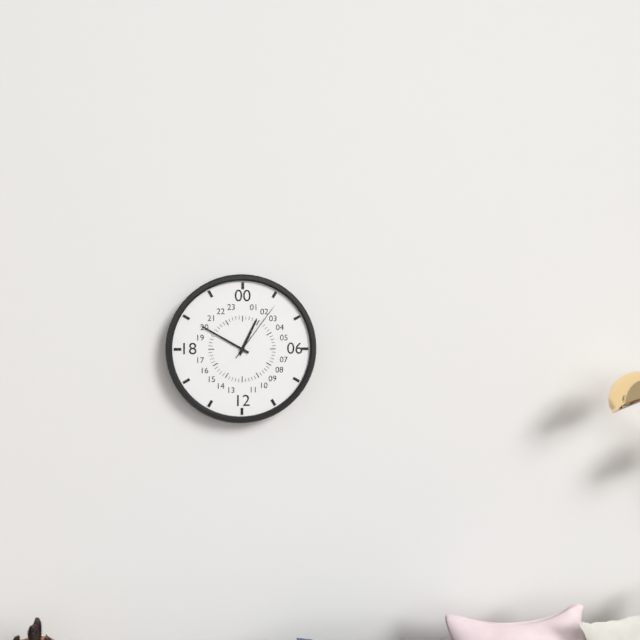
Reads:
{"hour": 12, "minute": 50, "second": 6}
